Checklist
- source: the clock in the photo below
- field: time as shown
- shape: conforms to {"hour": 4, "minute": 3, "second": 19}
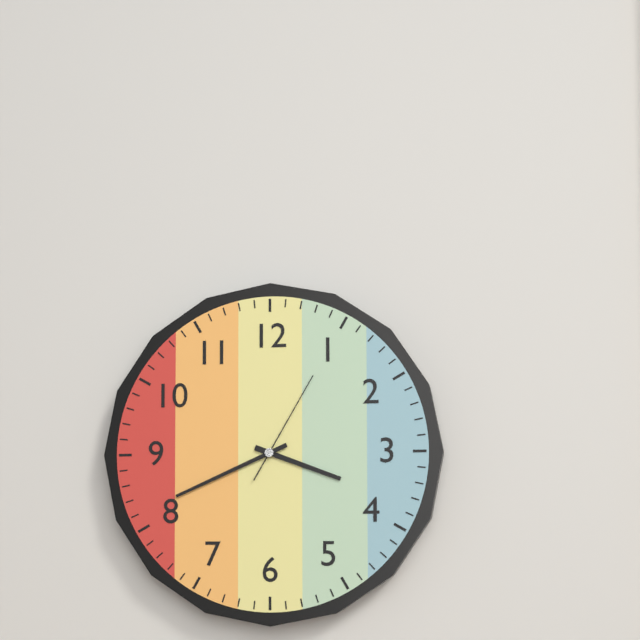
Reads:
{"hour": 3, "minute": 41, "second": 5}
